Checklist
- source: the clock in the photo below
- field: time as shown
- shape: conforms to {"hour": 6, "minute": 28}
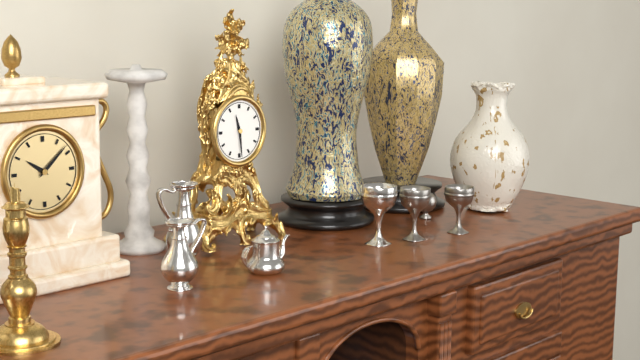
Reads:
{"hour": 11, "minute": 29}
